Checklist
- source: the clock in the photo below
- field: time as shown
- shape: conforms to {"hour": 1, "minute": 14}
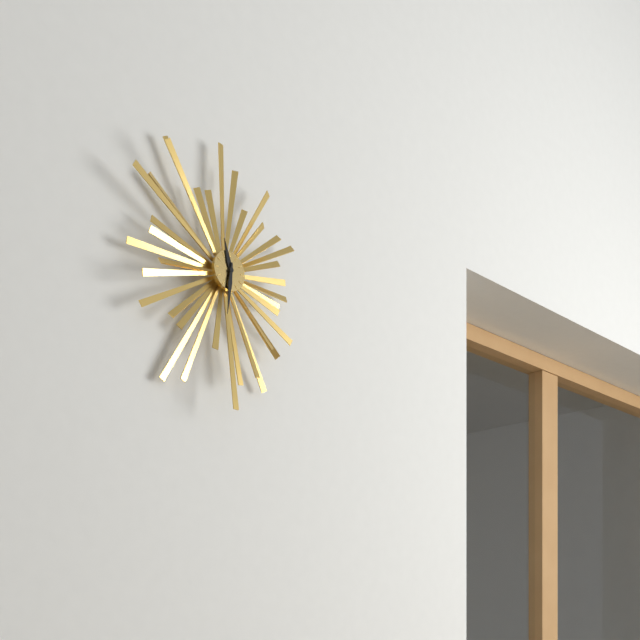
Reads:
{"hour": 11, "minute": 31}
